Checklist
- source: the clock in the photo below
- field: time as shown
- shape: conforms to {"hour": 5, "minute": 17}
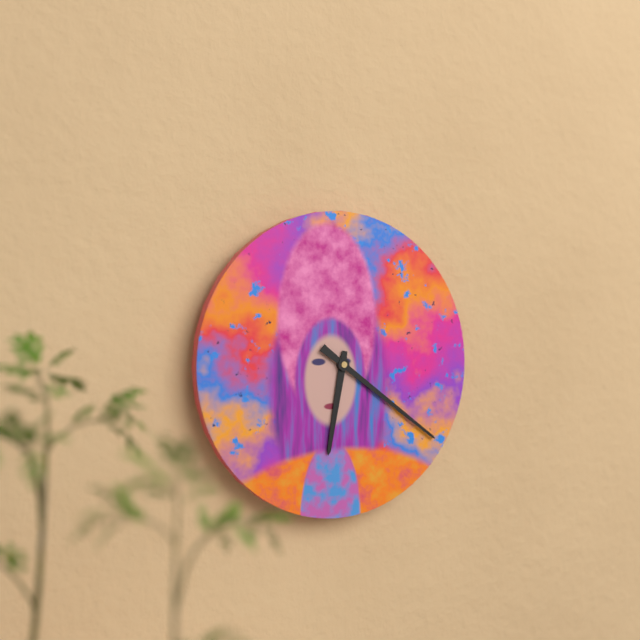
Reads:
{"hour": 6, "minute": 21}
